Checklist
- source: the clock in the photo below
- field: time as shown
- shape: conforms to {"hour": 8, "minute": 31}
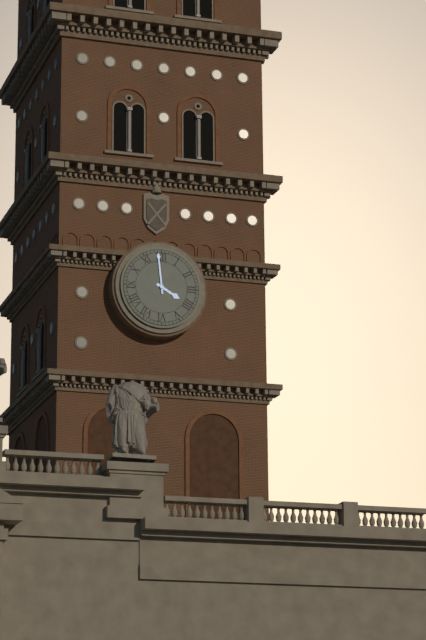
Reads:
{"hour": 3, "minute": 59}
